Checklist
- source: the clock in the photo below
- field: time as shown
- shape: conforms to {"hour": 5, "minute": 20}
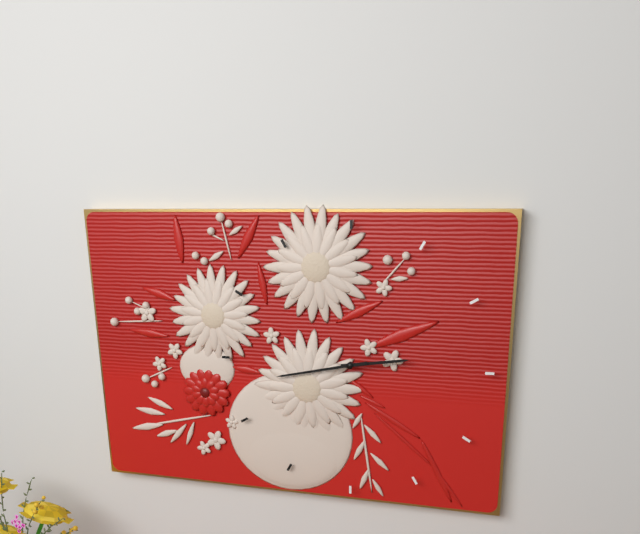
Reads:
{"hour": 2, "minute": 43}
